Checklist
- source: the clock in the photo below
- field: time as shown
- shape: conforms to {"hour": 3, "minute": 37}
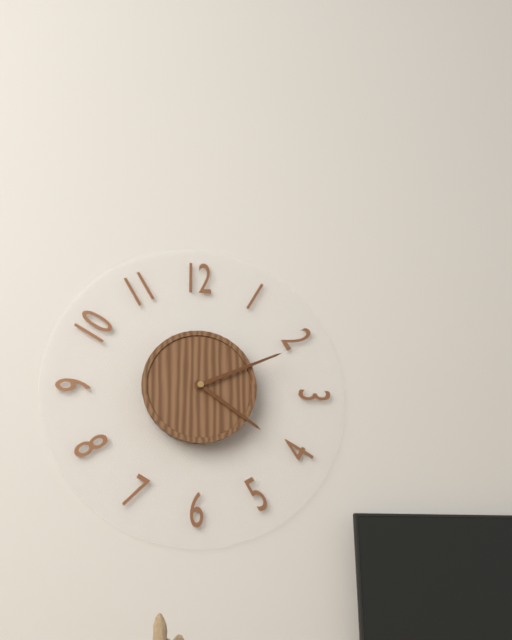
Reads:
{"hour": 4, "minute": 11}
